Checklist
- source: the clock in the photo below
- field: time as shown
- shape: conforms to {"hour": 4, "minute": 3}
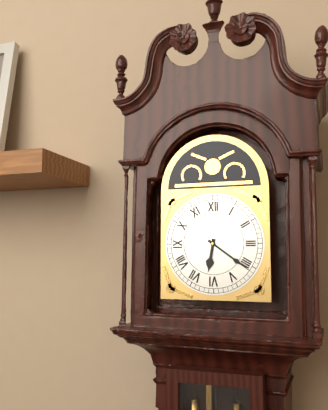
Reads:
{"hour": 6, "minute": 21}
